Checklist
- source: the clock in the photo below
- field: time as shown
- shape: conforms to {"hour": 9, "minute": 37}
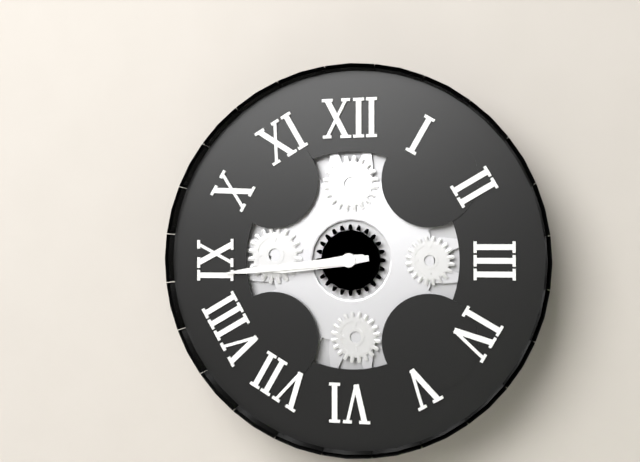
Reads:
{"hour": 8, "minute": 44}
